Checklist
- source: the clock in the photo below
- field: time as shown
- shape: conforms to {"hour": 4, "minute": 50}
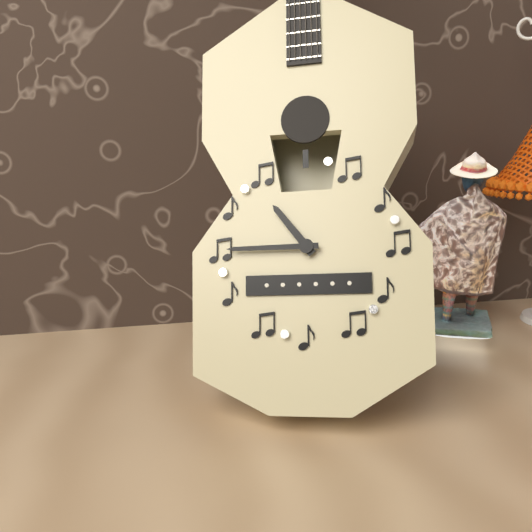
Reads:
{"hour": 10, "minute": 45}
